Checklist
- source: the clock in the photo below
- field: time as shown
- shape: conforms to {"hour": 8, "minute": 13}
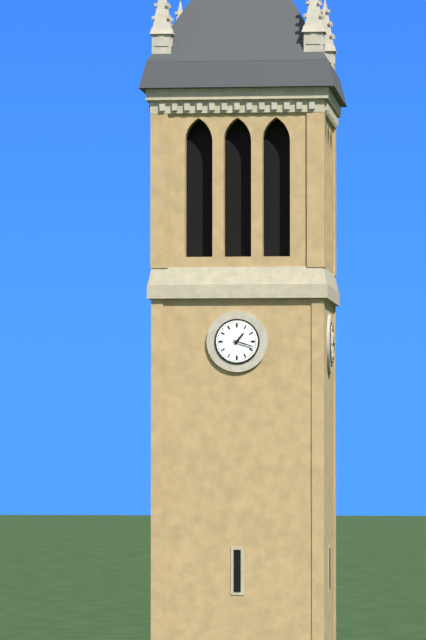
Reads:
{"hour": 1, "minute": 18}
